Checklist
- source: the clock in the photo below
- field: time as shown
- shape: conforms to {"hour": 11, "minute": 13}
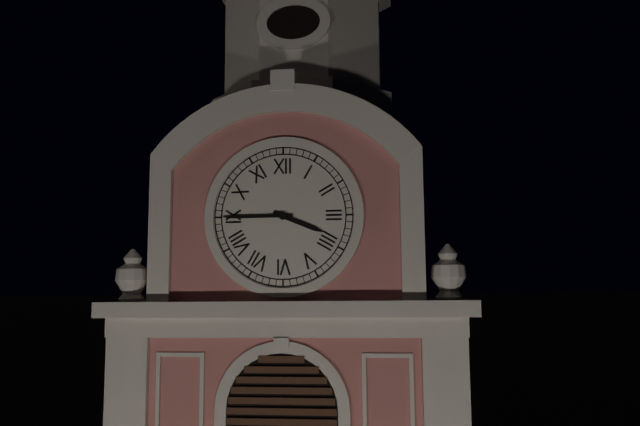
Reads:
{"hour": 3, "minute": 45}
